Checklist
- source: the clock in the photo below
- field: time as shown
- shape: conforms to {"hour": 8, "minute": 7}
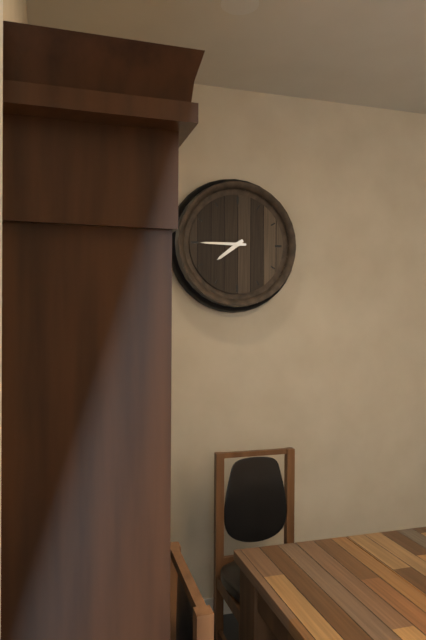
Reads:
{"hour": 7, "minute": 45}
